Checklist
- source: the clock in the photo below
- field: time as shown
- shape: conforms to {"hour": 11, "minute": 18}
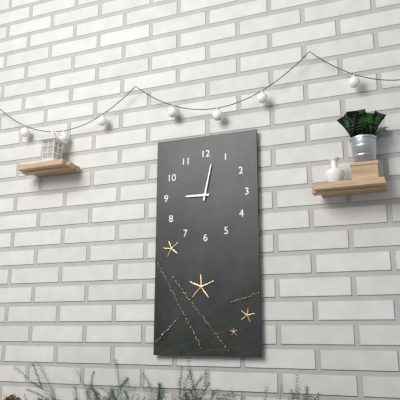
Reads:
{"hour": 9, "minute": 2}
